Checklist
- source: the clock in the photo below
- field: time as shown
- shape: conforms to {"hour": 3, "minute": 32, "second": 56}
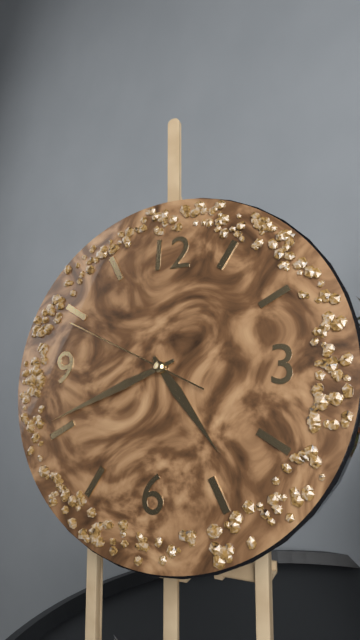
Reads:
{"hour": 4, "minute": 41, "second": 49}
